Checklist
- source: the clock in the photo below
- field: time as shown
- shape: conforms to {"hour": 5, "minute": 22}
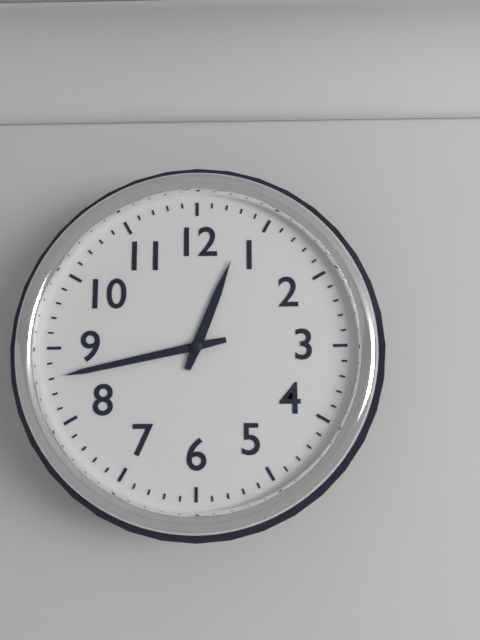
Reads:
{"hour": 12, "minute": 43}
